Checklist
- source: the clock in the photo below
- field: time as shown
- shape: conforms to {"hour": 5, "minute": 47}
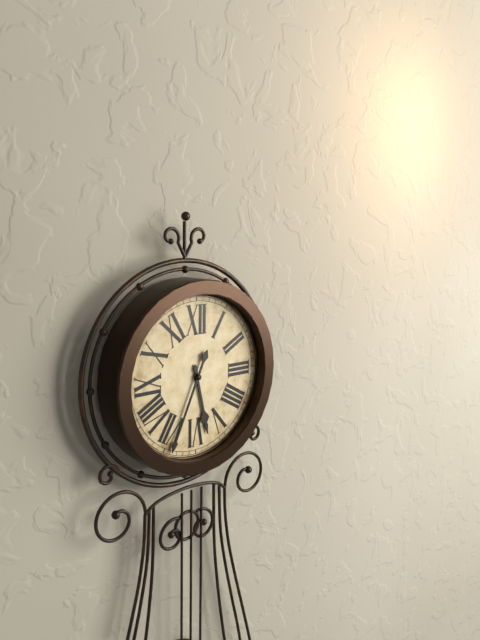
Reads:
{"hour": 5, "minute": 34}
